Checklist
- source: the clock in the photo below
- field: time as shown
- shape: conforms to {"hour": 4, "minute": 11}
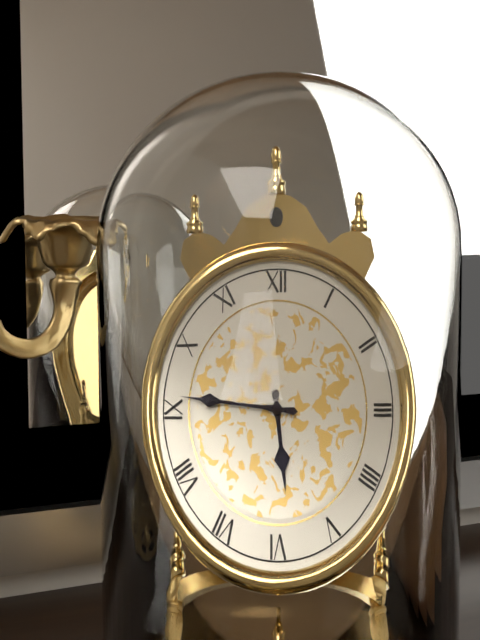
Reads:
{"hour": 5, "minute": 46}
